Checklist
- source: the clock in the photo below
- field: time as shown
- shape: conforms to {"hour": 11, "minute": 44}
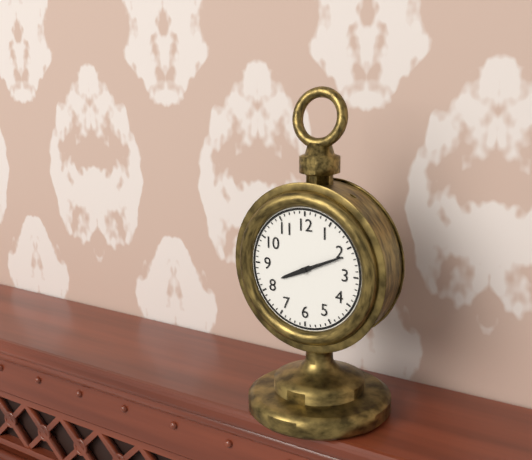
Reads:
{"hour": 8, "minute": 11}
